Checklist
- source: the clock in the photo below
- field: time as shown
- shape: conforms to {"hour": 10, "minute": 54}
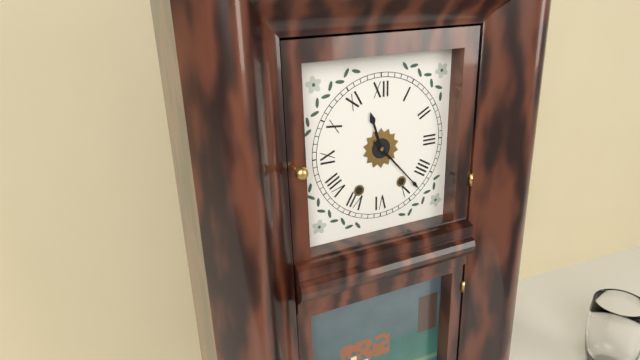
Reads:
{"hour": 11, "minute": 23}
